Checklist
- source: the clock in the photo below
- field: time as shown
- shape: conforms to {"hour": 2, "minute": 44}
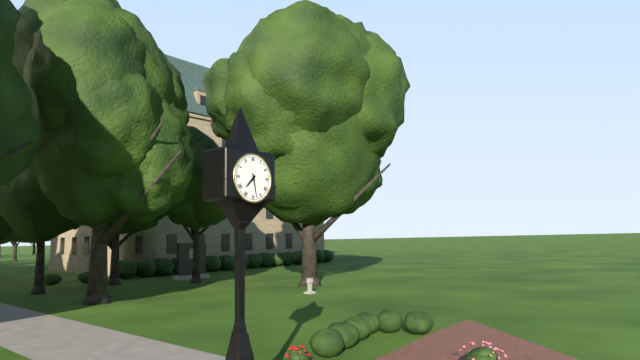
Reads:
{"hour": 7, "minute": 28}
